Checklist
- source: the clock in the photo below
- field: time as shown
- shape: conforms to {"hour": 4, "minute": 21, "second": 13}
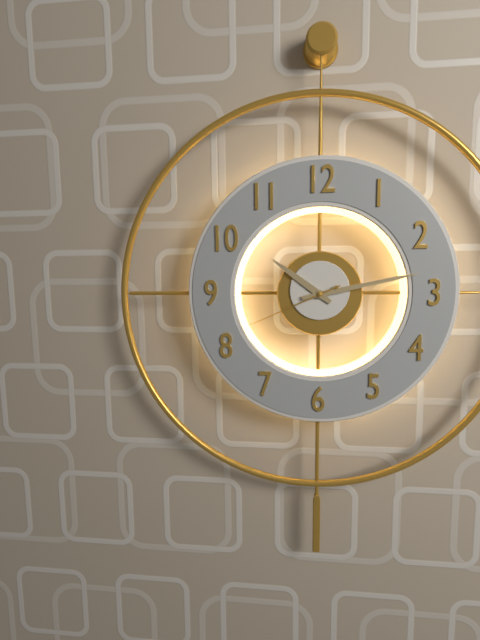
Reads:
{"hour": 10, "minute": 13, "second": 41}
